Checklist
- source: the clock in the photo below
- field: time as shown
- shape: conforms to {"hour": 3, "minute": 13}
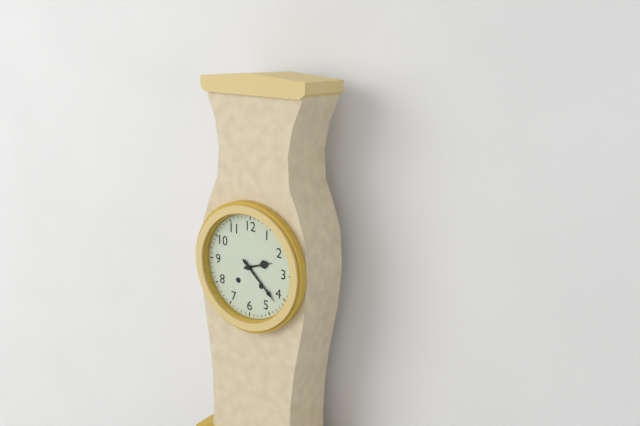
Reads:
{"hour": 2, "minute": 22}
